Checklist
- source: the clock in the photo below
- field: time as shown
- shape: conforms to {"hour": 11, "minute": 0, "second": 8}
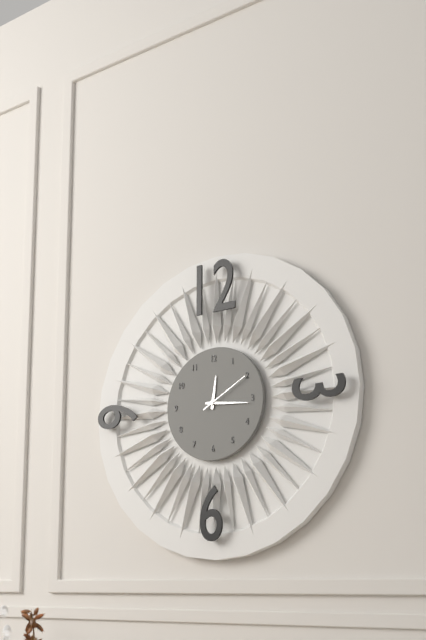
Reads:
{"hour": 12, "minute": 16, "second": 10}
